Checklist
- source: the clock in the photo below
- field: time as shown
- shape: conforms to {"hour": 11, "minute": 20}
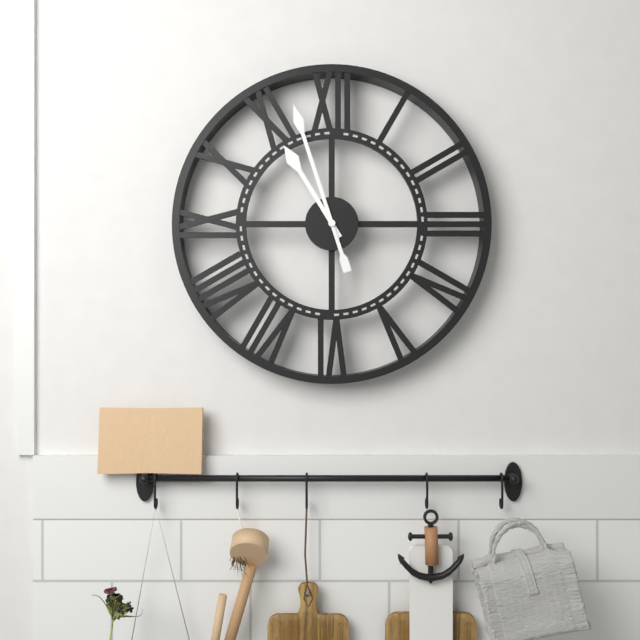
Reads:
{"hour": 10, "minute": 57}
